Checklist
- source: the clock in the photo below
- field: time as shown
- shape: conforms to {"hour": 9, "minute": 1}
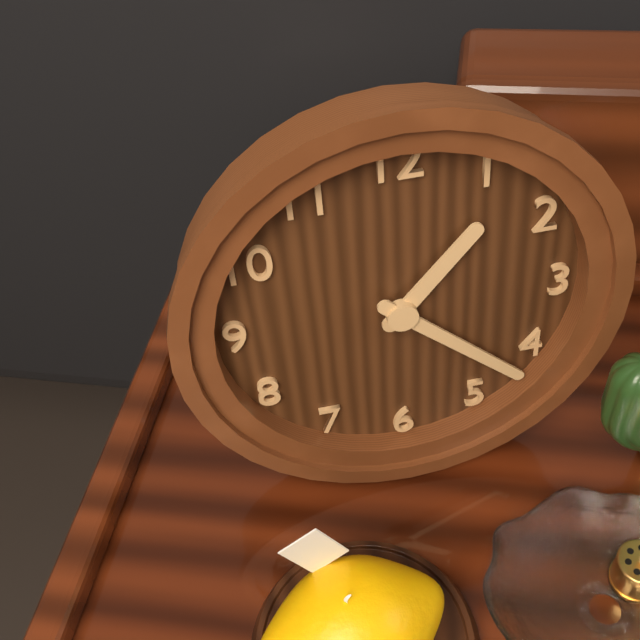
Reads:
{"hour": 1, "minute": 22}
